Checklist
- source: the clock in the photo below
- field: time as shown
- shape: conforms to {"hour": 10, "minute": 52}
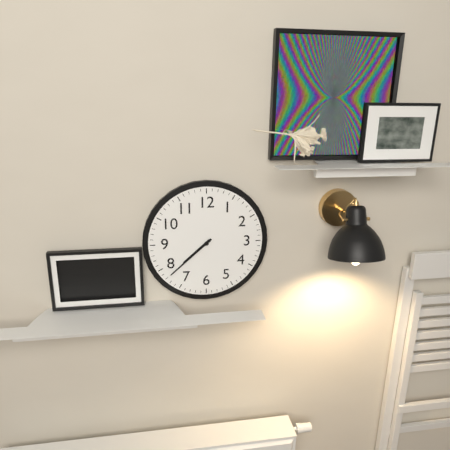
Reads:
{"hour": 7, "minute": 38}
